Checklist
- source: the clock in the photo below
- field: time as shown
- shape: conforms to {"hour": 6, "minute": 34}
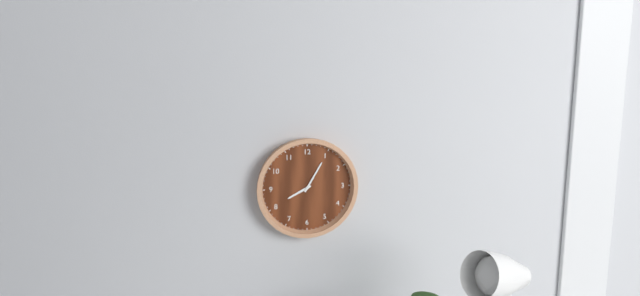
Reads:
{"hour": 8, "minute": 5}
